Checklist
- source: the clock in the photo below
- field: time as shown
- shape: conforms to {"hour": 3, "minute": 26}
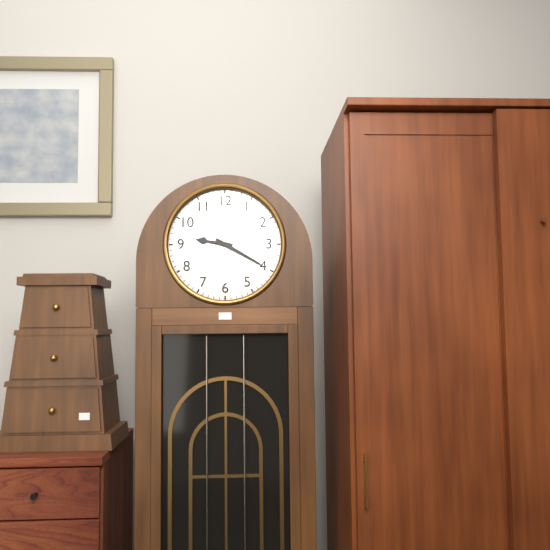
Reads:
{"hour": 9, "minute": 20}
